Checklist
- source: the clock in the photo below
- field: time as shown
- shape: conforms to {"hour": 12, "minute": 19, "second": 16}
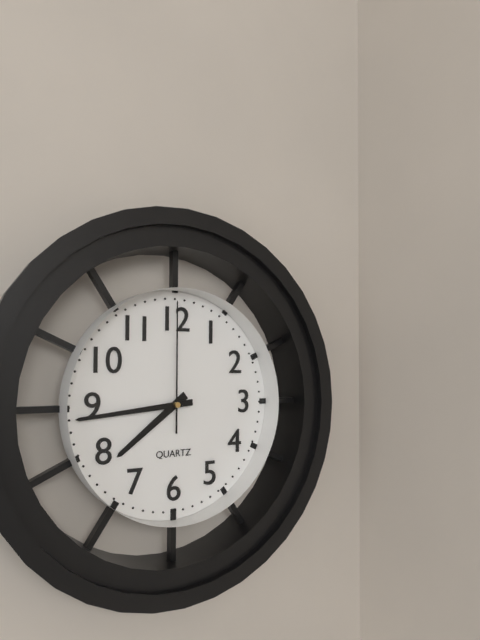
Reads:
{"hour": 7, "minute": 44, "second": 0}
